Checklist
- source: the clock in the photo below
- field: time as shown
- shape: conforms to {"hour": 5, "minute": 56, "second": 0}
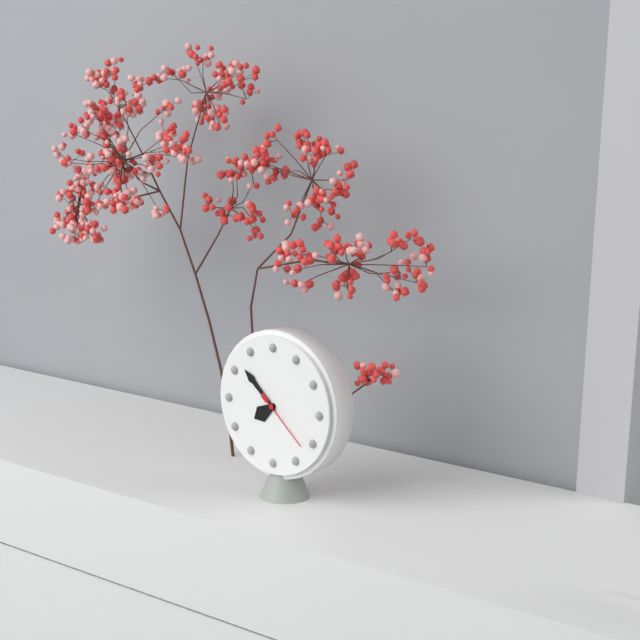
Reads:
{"hour": 7, "minute": 52, "second": 22}
